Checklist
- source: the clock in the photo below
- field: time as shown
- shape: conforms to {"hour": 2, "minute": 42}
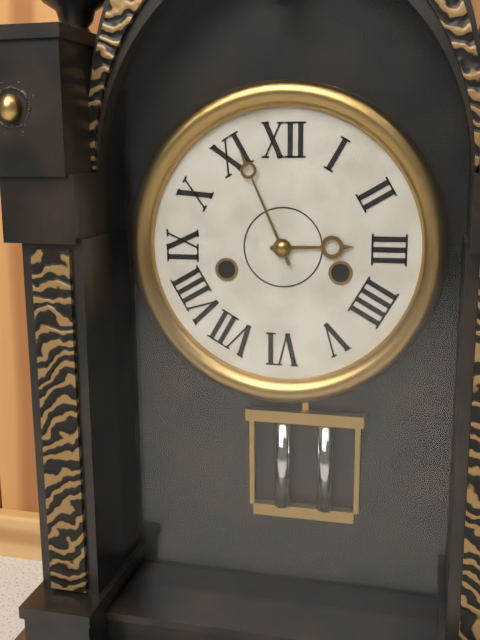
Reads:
{"hour": 2, "minute": 56}
